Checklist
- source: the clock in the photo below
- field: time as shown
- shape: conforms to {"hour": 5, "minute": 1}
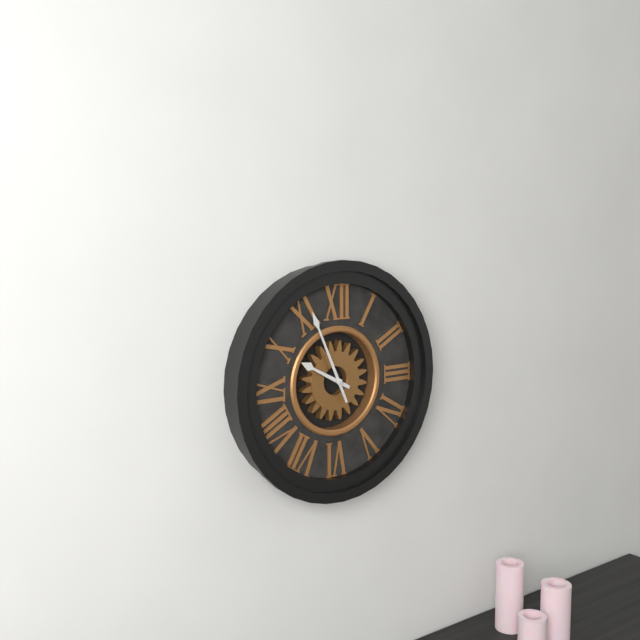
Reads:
{"hour": 9, "minute": 56}
